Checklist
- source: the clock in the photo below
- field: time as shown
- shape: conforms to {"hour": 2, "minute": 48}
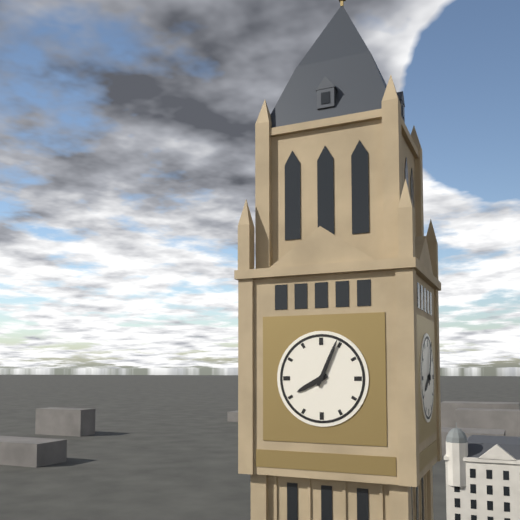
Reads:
{"hour": 8, "minute": 4}
